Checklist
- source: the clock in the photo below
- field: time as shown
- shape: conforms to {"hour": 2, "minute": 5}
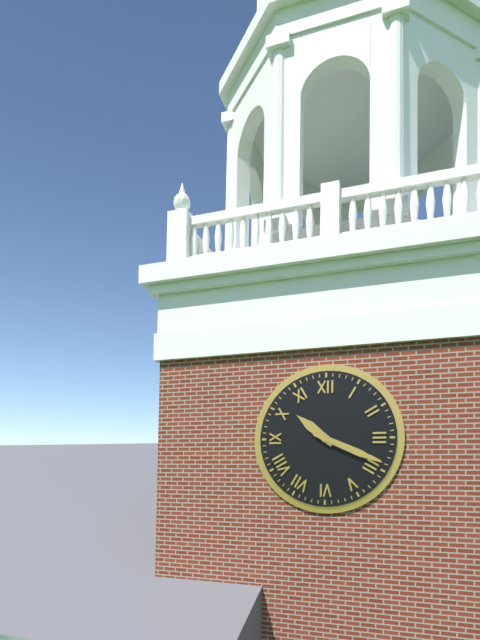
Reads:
{"hour": 10, "minute": 19}
